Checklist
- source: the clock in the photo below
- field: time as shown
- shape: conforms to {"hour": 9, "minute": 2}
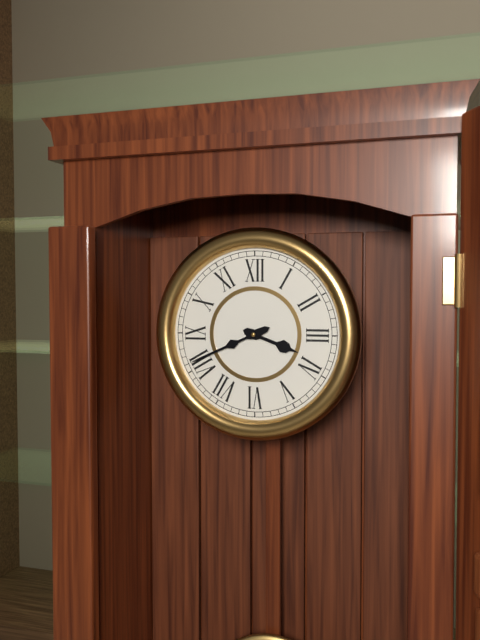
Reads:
{"hour": 3, "minute": 41}
